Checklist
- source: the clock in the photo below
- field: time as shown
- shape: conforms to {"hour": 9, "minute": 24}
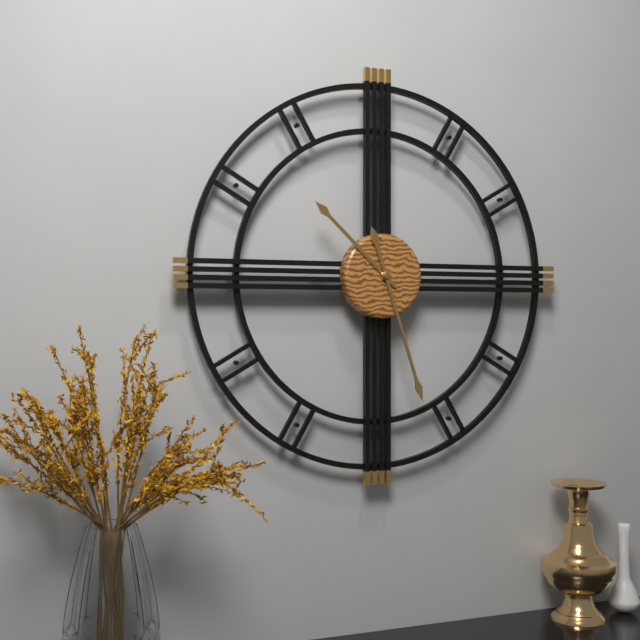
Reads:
{"hour": 10, "minute": 27}
